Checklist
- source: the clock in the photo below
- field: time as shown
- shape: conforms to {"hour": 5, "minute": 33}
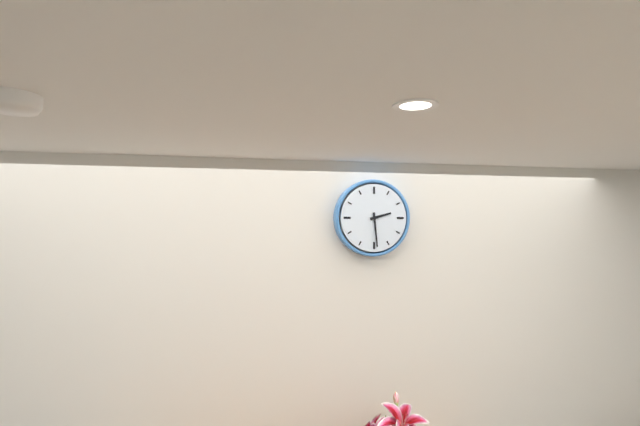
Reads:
{"hour": 2, "minute": 29}
